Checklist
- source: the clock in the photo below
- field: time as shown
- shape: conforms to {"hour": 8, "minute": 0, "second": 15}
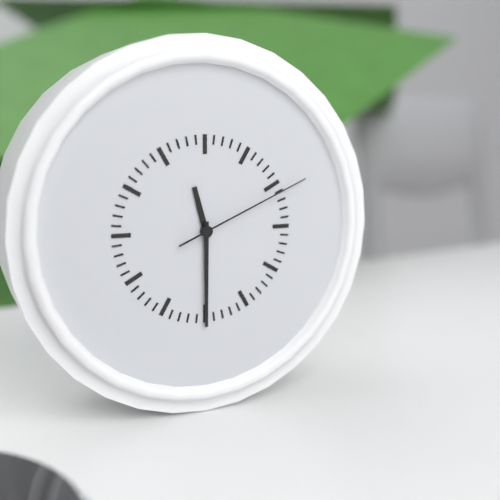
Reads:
{"hour": 11, "minute": 30, "second": 11}
